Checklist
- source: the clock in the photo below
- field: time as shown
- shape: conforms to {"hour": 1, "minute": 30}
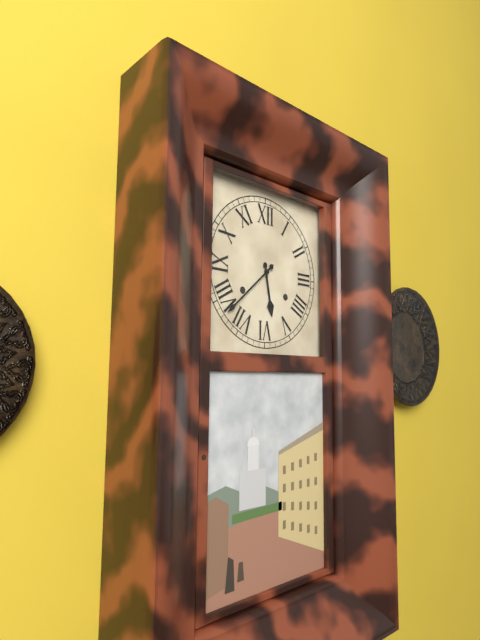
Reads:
{"hour": 5, "minute": 38}
